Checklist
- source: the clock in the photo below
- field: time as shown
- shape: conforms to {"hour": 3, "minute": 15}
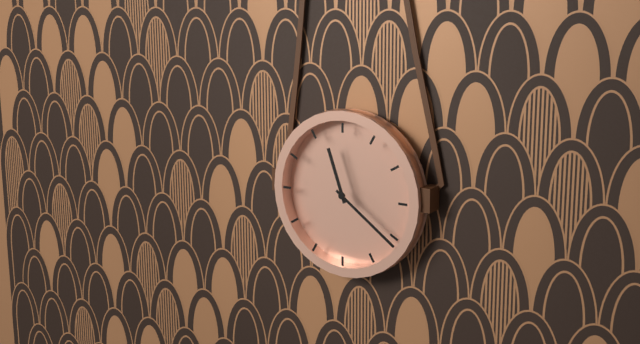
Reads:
{"hour": 11, "minute": 21}
